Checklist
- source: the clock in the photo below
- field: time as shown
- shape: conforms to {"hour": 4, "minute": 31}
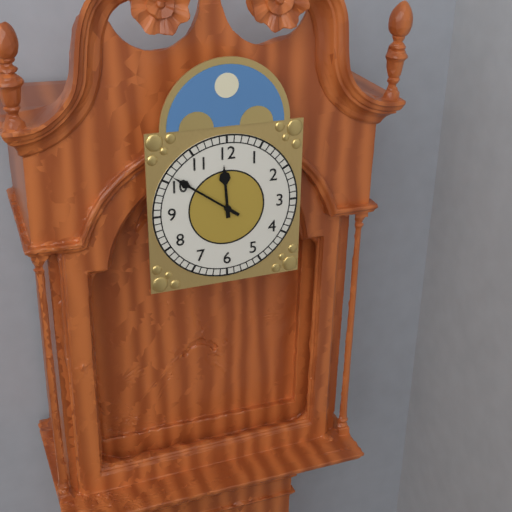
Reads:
{"hour": 11, "minute": 51}
